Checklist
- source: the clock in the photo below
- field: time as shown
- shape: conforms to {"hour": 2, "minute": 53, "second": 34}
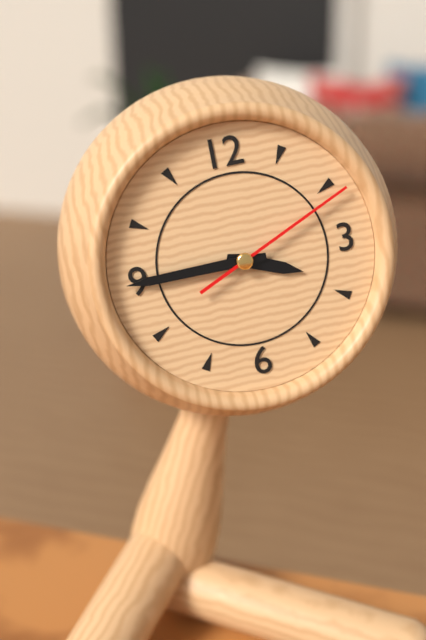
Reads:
{"hour": 3, "minute": 45, "second": 11}
